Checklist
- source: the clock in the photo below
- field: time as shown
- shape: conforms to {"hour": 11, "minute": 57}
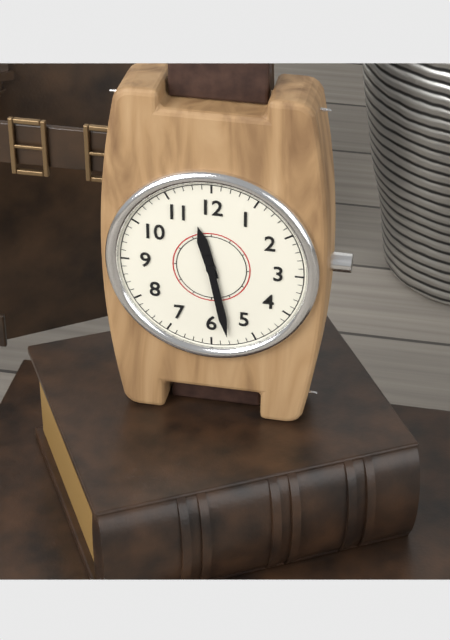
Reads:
{"hour": 11, "minute": 28}
